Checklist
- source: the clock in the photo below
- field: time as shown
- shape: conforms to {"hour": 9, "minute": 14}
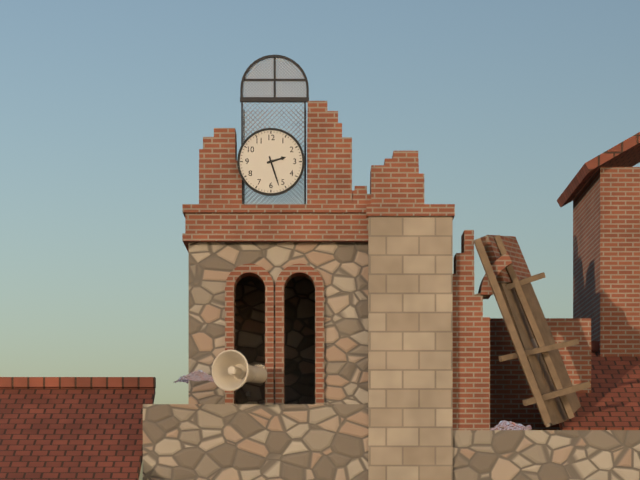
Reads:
{"hour": 2, "minute": 27}
